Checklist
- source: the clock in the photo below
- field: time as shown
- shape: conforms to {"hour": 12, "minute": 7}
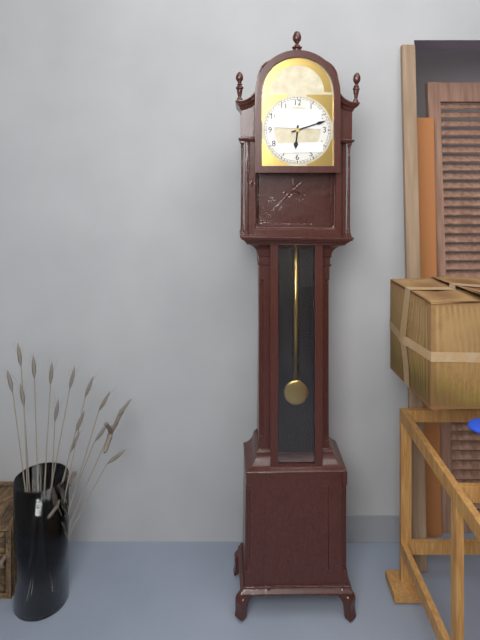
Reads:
{"hour": 6, "minute": 12}
